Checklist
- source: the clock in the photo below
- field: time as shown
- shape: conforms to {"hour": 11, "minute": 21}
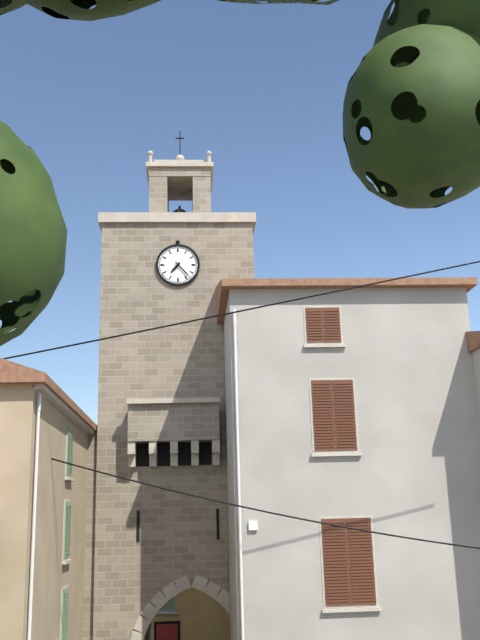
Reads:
{"hour": 7, "minute": 23}
